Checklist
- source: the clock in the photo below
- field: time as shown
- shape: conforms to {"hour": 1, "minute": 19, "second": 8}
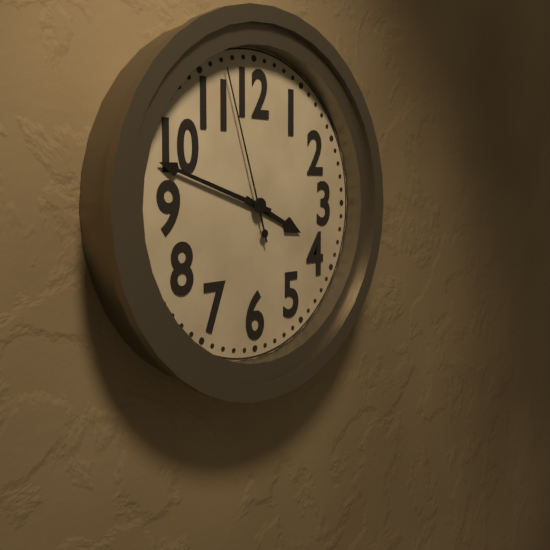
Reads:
{"hour": 3, "minute": 48, "second": 57}
